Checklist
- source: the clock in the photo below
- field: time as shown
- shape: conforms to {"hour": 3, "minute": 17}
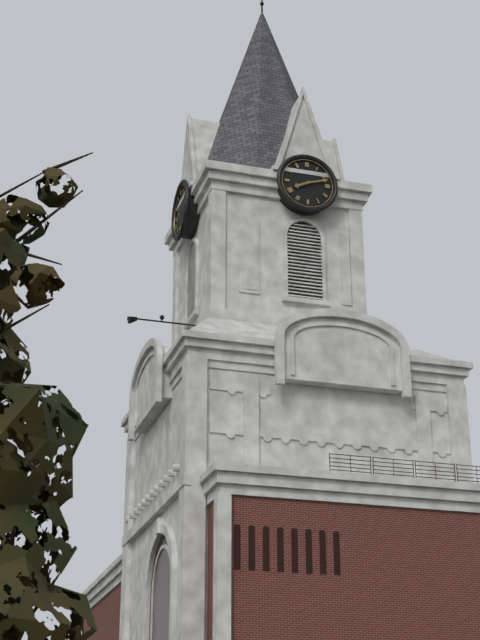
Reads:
{"hour": 8, "minute": 12}
